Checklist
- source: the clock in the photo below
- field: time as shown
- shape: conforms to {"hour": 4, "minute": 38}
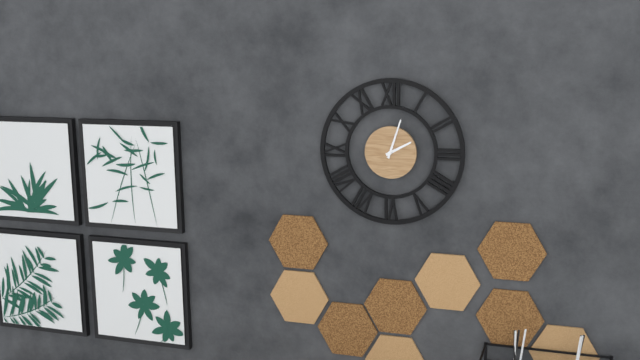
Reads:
{"hour": 2, "minute": 3}
